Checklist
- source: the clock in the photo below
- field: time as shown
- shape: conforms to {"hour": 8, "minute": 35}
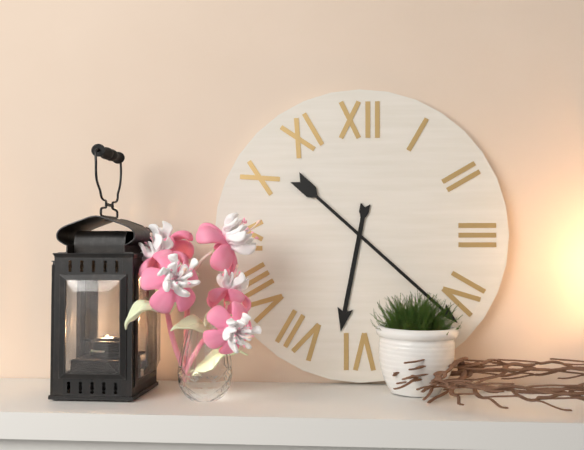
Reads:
{"hour": 6, "minute": 22}
